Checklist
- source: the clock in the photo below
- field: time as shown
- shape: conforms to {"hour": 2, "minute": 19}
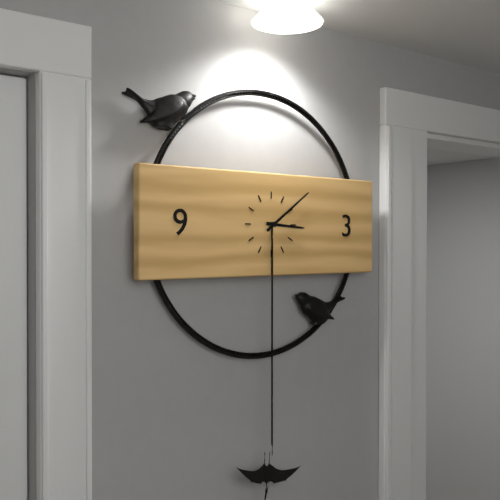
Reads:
{"hour": 3, "minute": 9}
